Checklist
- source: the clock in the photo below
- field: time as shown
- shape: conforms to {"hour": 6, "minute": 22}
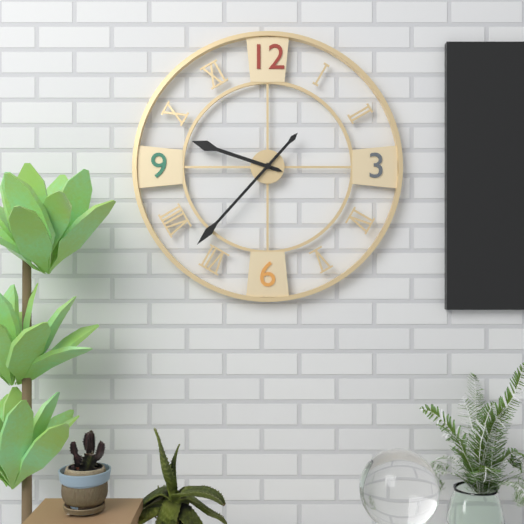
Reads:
{"hour": 9, "minute": 37}
